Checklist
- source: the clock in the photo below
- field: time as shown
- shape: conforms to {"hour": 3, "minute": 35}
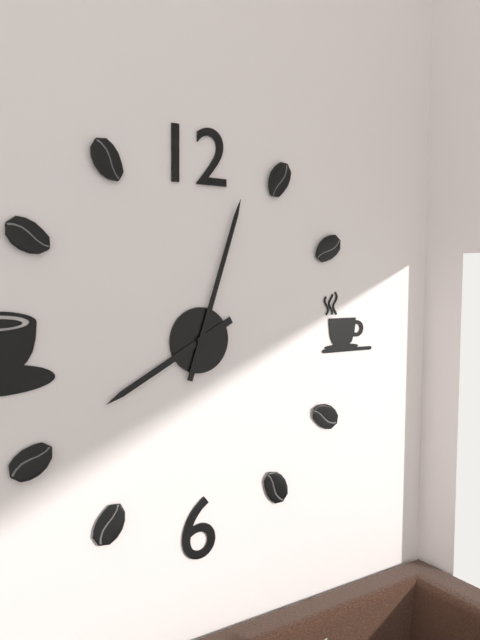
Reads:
{"hour": 8, "minute": 3}
